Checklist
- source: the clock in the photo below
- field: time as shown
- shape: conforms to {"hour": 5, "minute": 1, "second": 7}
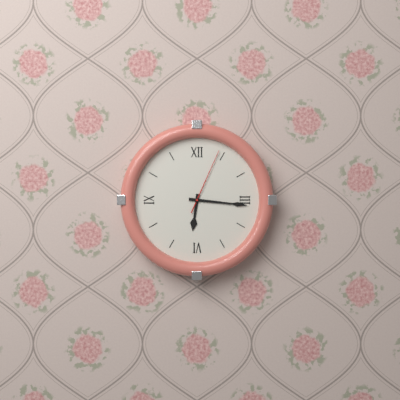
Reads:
{"hour": 6, "minute": 16, "second": 4}
